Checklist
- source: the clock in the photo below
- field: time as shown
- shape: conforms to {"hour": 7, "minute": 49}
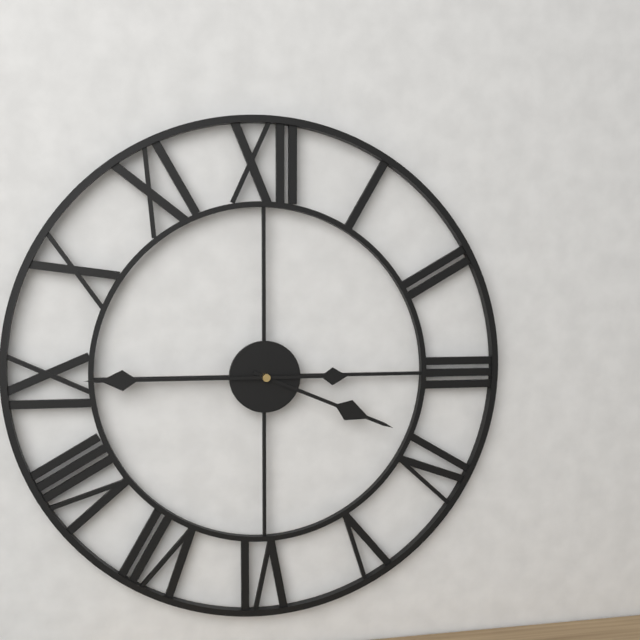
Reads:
{"hour": 3, "minute": 45}
